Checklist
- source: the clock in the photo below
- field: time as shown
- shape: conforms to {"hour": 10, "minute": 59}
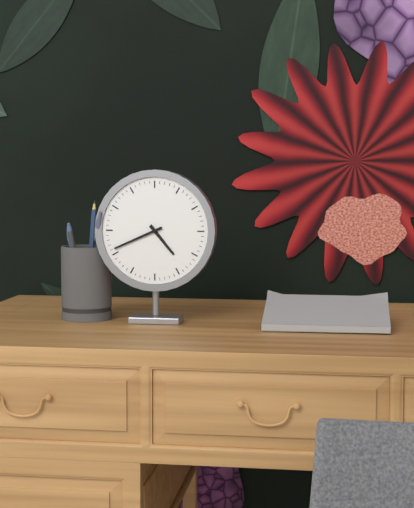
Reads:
{"hour": 4, "minute": 41}
